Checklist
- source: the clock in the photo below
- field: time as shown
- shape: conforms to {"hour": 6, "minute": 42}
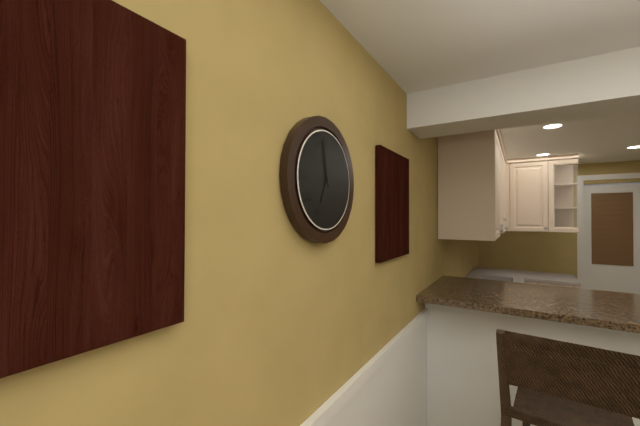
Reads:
{"hour": 6, "minute": 58}
